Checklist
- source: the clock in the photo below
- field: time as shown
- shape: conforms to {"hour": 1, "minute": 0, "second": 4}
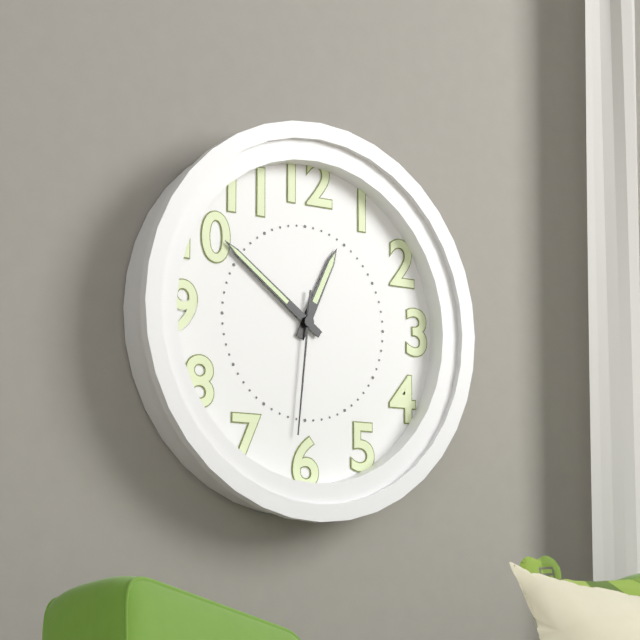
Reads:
{"hour": 12, "minute": 51, "second": 31}
